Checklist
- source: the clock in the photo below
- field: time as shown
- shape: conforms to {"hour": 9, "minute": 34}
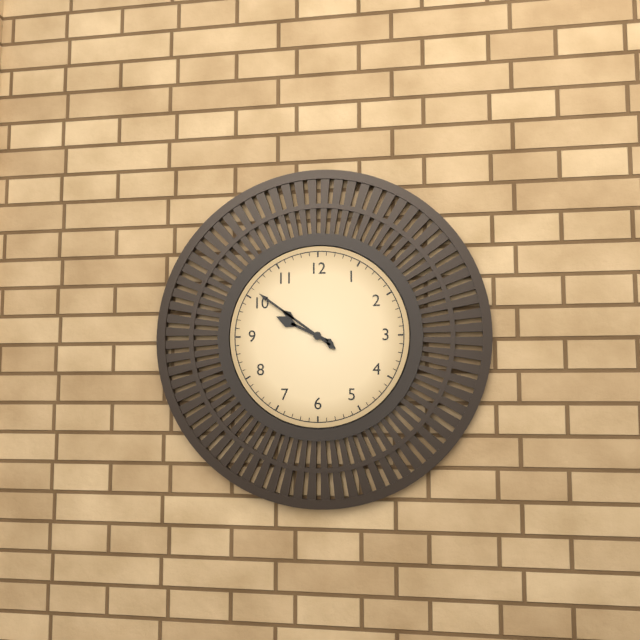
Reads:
{"hour": 9, "minute": 51}
